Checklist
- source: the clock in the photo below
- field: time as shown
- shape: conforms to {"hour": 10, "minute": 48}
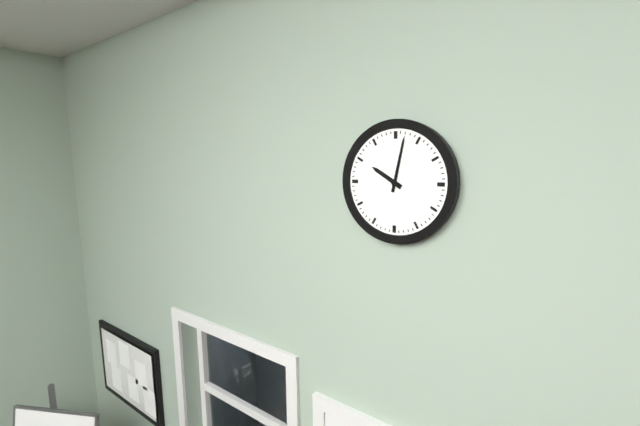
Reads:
{"hour": 10, "minute": 2}
